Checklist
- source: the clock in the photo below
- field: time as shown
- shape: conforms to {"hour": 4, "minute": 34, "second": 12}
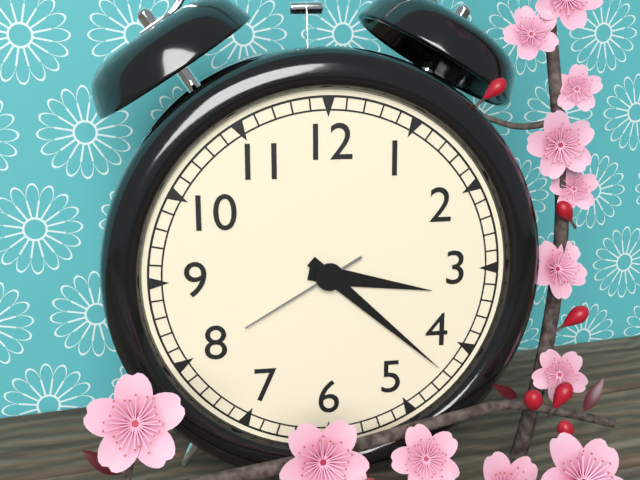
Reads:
{"hour": 3, "minute": 22, "second": 40}
